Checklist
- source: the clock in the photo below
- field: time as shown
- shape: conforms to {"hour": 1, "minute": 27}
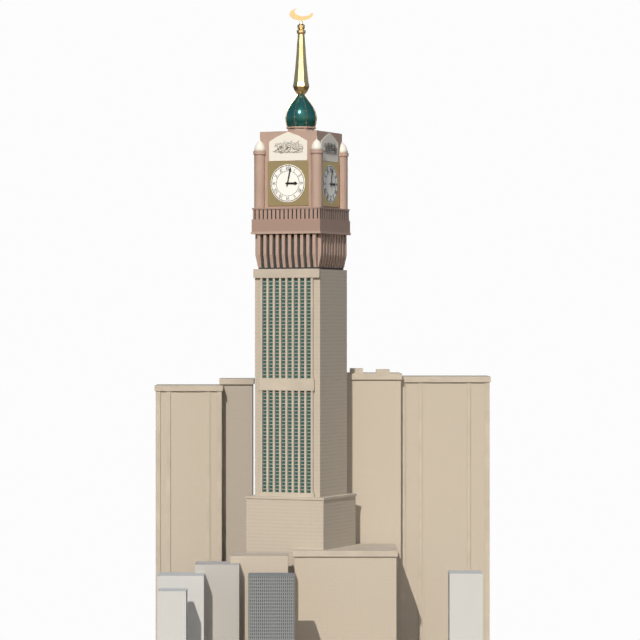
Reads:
{"hour": 3, "minute": 2}
